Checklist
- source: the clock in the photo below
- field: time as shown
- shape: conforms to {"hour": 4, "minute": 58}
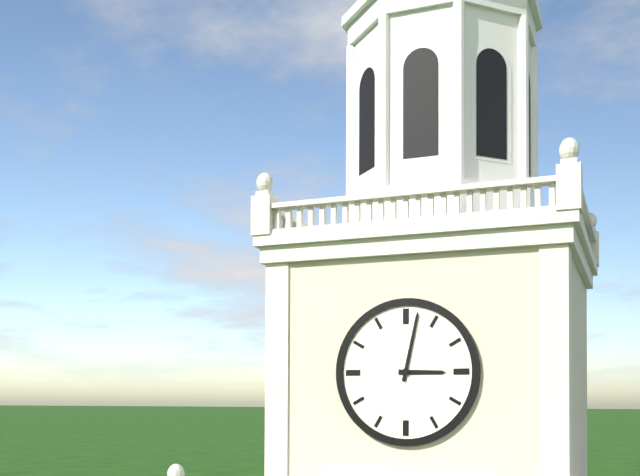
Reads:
{"hour": 3, "minute": 2}
